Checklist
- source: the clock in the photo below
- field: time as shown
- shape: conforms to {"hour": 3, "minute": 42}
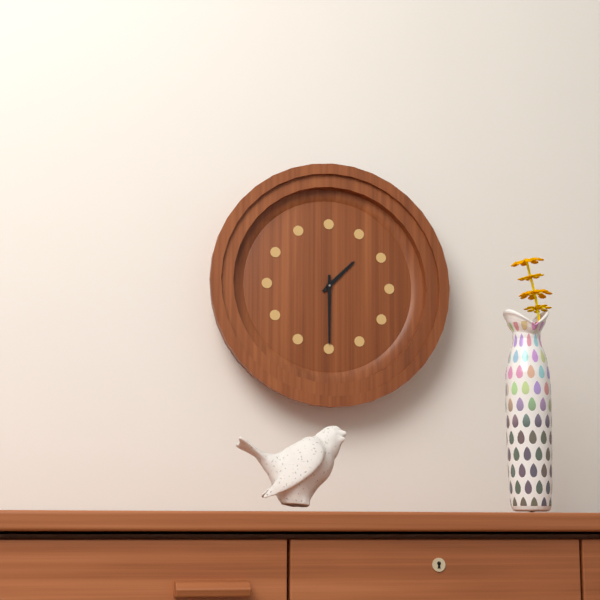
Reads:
{"hour": 1, "minute": 30}
